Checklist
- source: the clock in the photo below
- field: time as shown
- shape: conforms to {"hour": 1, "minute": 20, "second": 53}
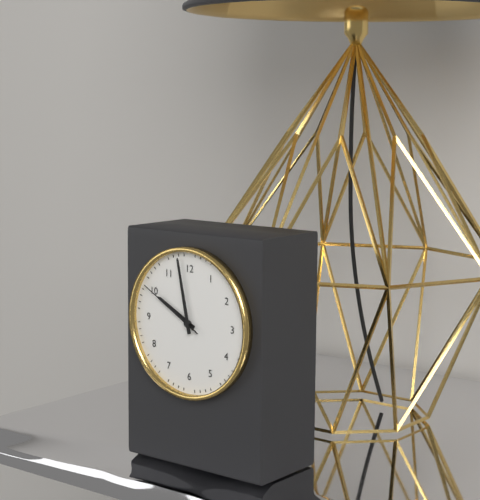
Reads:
{"hour": 9, "minute": 58, "second": 50}
